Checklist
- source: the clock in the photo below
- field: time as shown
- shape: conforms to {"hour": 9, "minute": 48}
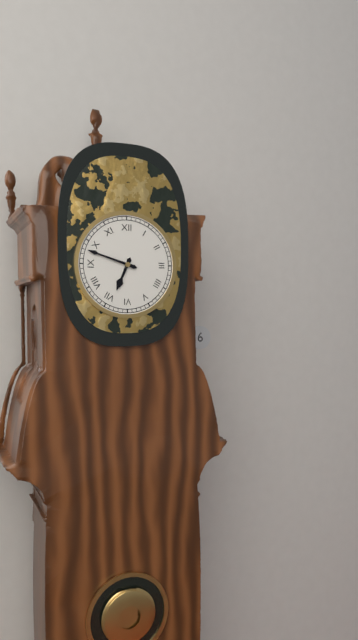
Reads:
{"hour": 6, "minute": 48}
